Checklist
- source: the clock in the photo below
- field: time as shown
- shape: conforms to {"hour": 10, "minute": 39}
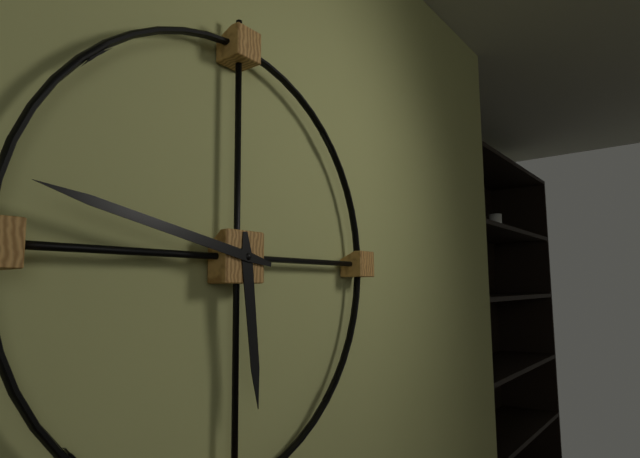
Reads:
{"hour": 5, "minute": 47}
